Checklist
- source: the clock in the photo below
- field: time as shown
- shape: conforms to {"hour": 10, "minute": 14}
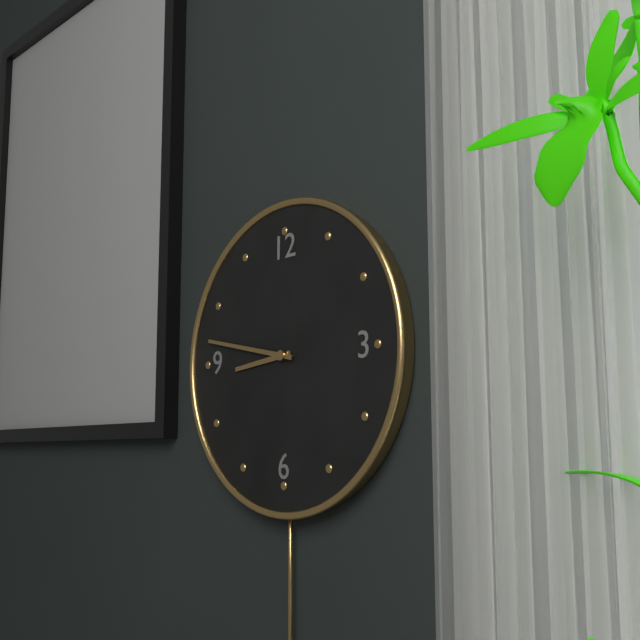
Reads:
{"hour": 8, "minute": 47}
